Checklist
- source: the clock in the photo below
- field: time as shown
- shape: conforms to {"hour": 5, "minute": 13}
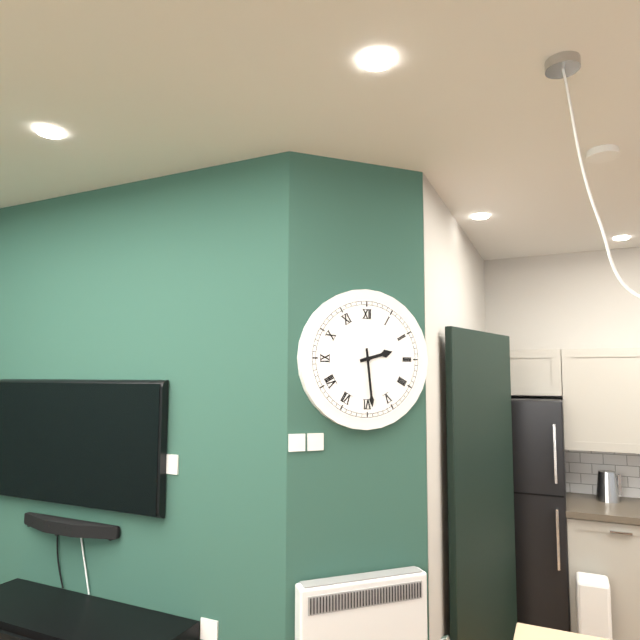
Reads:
{"hour": 2, "minute": 29}
